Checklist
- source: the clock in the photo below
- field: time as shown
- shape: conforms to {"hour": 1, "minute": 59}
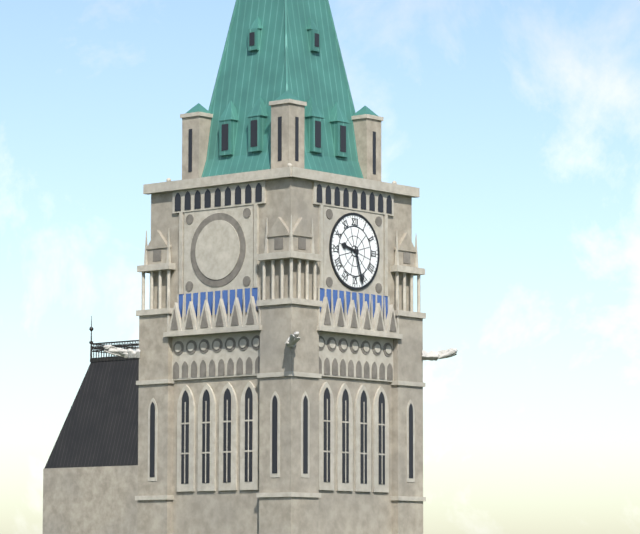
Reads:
{"hour": 9, "minute": 27}
